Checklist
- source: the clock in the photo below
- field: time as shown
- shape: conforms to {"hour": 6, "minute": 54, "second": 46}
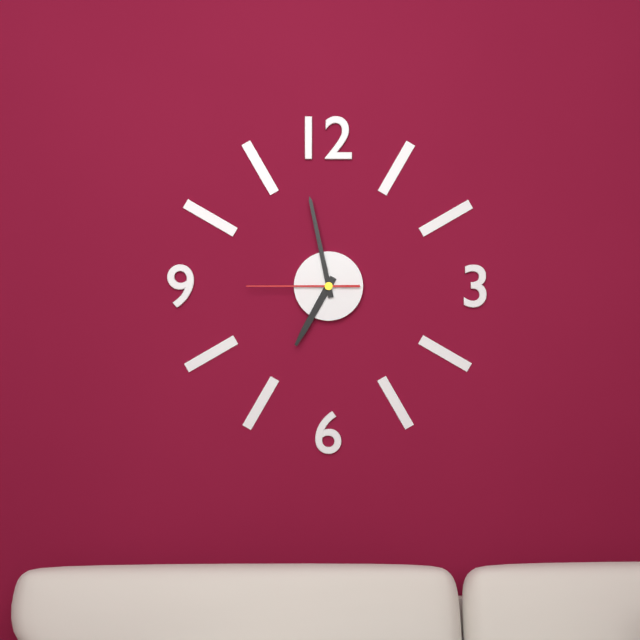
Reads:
{"hour": 6, "minute": 58, "second": 45}
